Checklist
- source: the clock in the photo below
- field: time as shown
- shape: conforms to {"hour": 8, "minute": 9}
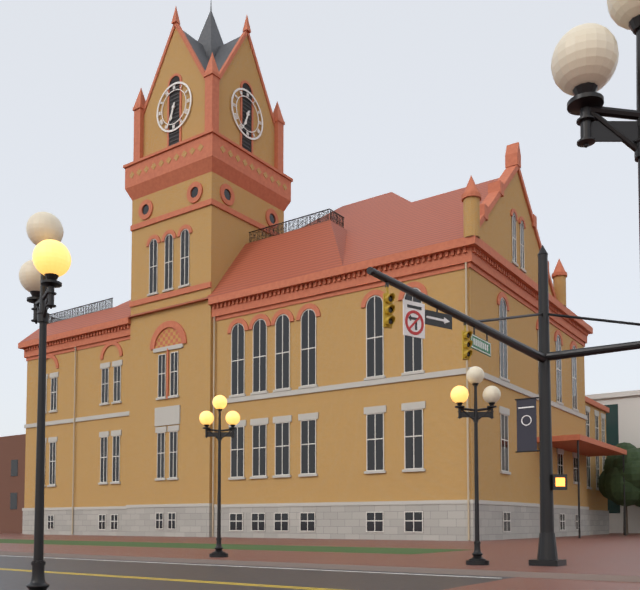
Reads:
{"hour": 6, "minute": 34}
